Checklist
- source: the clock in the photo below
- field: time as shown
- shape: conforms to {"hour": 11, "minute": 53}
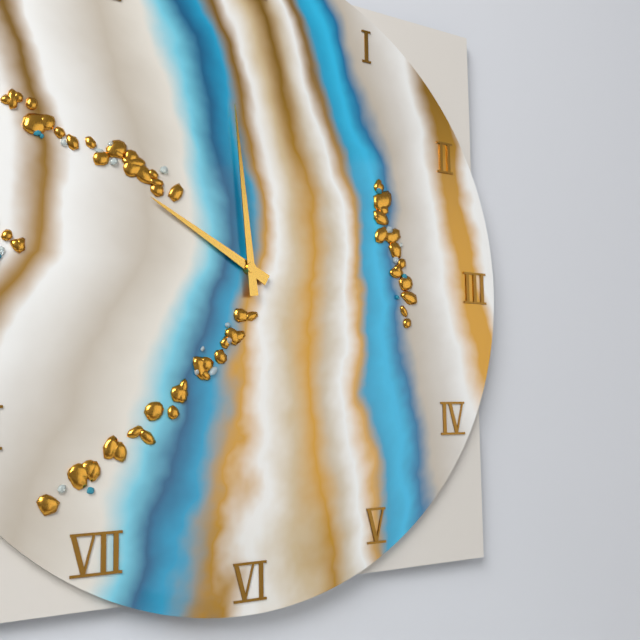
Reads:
{"hour": 9, "minute": 59}
